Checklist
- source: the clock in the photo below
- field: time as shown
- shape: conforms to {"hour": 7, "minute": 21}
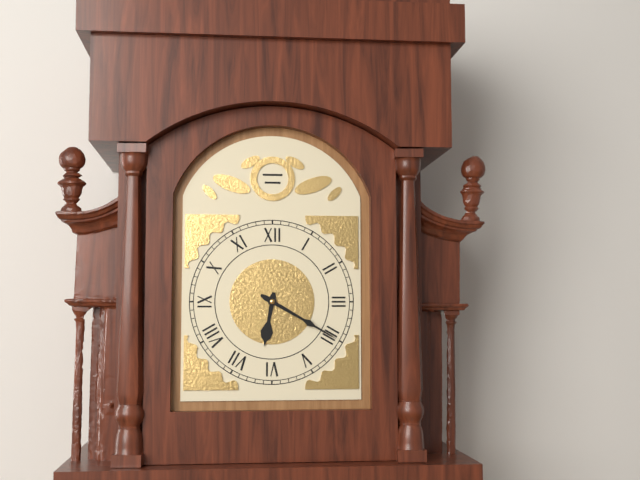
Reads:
{"hour": 6, "minute": 20}
